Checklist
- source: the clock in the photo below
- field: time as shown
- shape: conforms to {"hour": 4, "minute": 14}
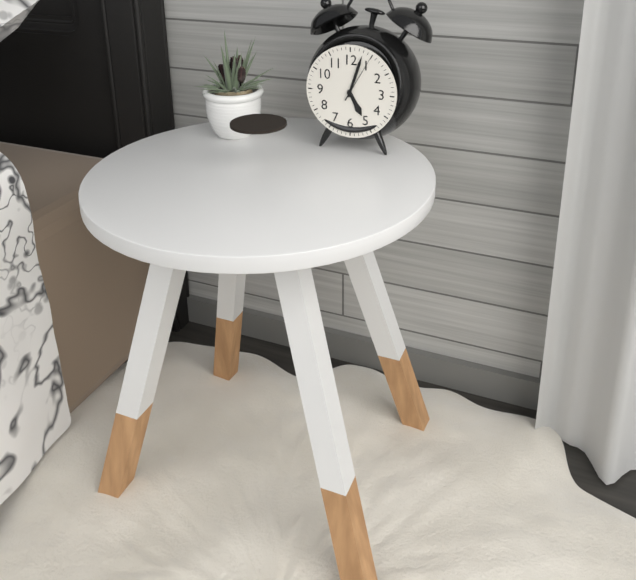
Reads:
{"hour": 5, "minute": 3}
